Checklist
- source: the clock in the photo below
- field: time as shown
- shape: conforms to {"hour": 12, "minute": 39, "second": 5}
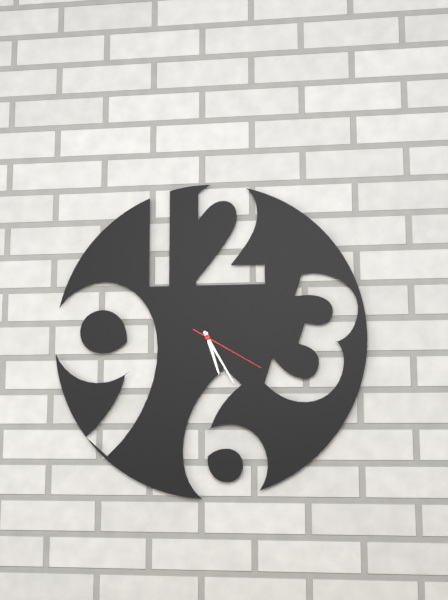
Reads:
{"hour": 5, "minute": 25, "second": 20}
